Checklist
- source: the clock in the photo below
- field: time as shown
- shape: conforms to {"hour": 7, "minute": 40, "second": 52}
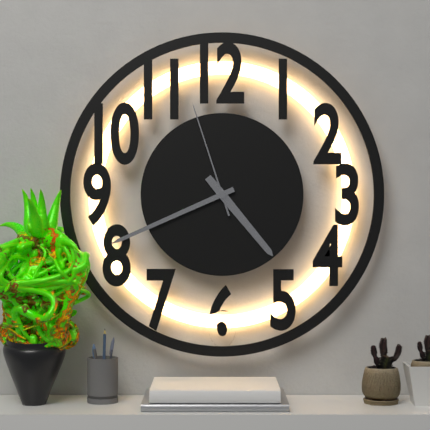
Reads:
{"hour": 4, "minute": 41, "second": 57}
